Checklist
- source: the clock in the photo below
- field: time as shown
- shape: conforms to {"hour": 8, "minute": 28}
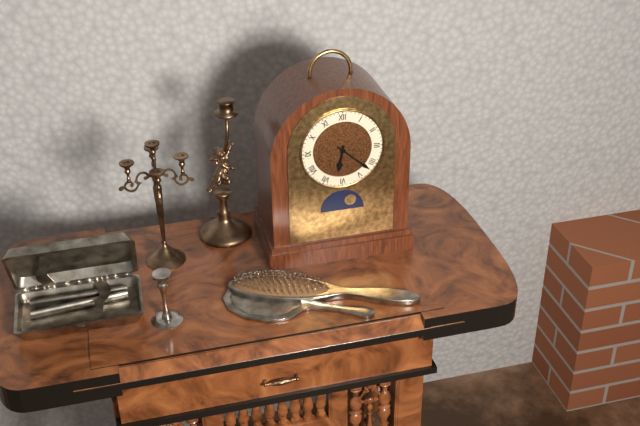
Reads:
{"hour": 6, "minute": 22}
